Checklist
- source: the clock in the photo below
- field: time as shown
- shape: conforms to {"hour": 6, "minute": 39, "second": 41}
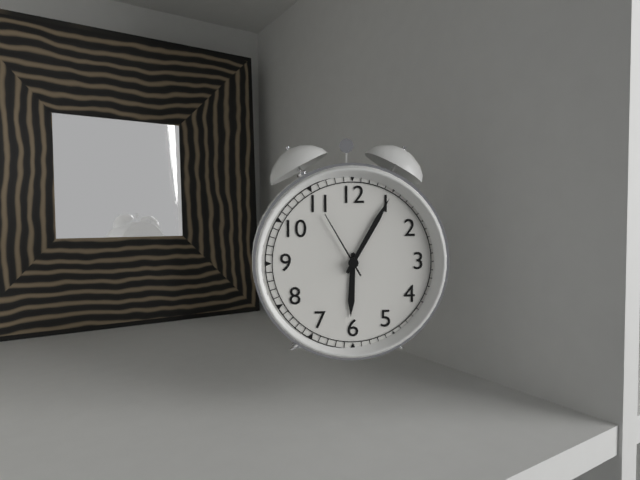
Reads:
{"hour": 6, "minute": 5, "second": 55}
